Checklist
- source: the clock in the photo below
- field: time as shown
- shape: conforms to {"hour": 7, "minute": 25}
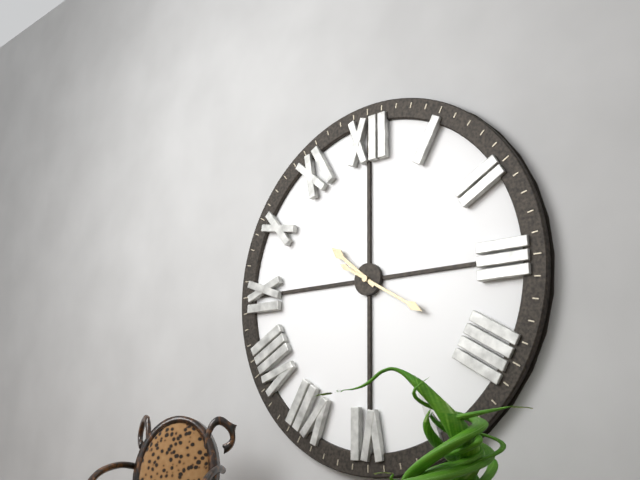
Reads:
{"hour": 10, "minute": 20}
